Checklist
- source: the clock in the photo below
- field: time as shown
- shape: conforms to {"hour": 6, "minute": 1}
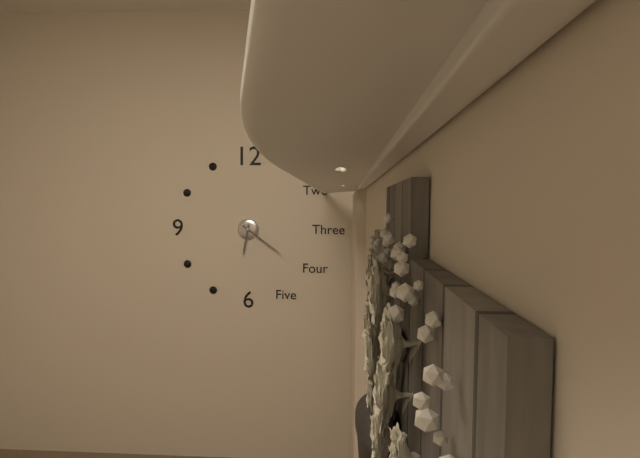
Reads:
{"hour": 6, "minute": 21}
